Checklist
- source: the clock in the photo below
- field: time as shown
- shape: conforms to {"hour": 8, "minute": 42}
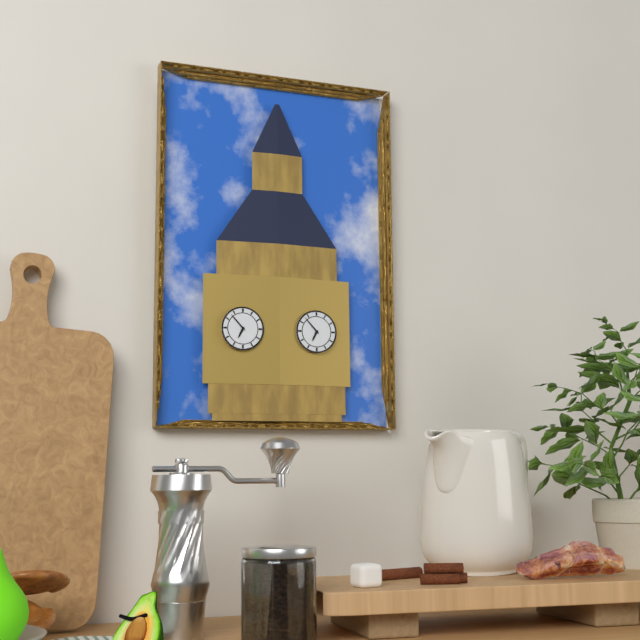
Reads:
{"hour": 6, "minute": 53}
